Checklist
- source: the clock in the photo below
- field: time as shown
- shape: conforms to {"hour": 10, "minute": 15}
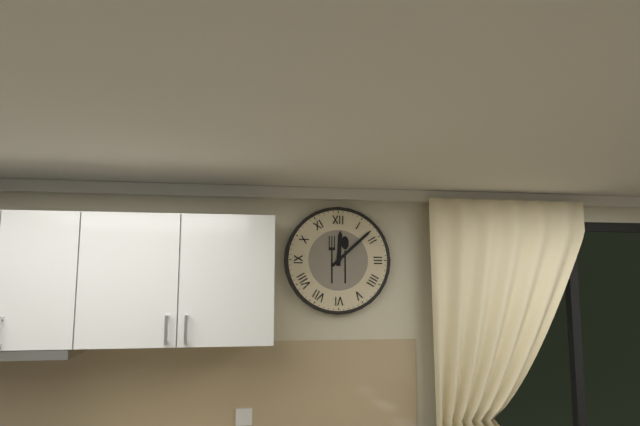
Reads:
{"hour": 12, "minute": 8}
